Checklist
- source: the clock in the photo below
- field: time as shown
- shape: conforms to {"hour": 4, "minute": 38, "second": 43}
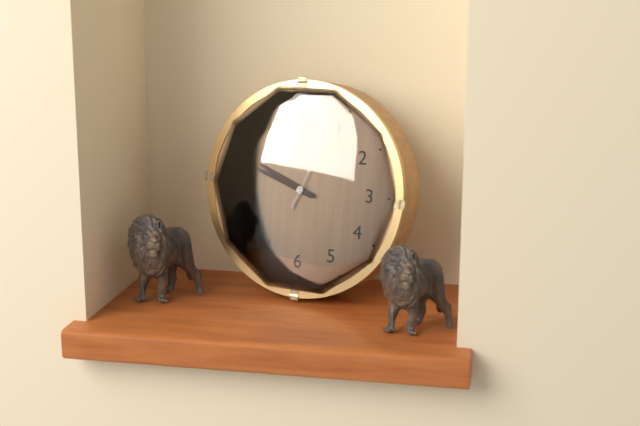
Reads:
{"hour": 9, "minute": 48, "second": 4}
